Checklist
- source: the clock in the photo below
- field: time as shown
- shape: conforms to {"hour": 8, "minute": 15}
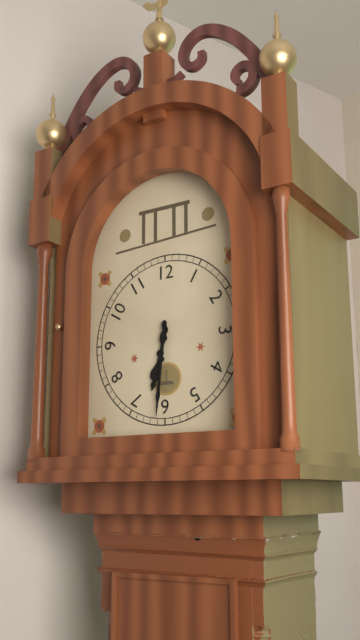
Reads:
{"hour": 6, "minute": 31}
